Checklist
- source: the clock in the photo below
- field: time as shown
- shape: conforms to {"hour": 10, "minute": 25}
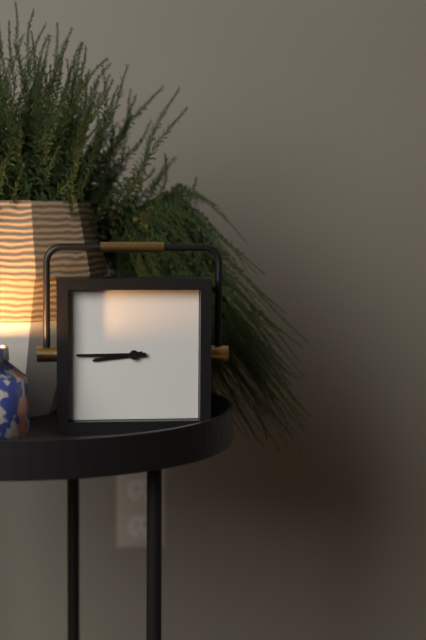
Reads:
{"hour": 8, "minute": 45}
